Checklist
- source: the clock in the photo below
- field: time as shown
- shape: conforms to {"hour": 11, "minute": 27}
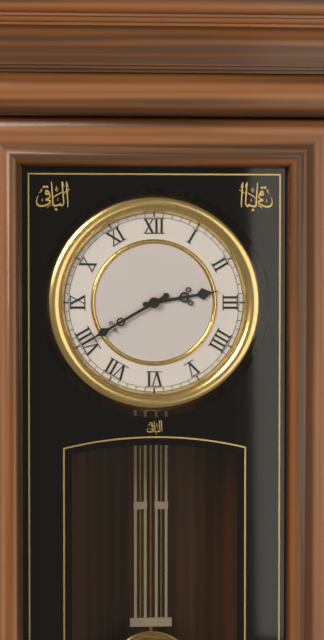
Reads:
{"hour": 2, "minute": 40}
